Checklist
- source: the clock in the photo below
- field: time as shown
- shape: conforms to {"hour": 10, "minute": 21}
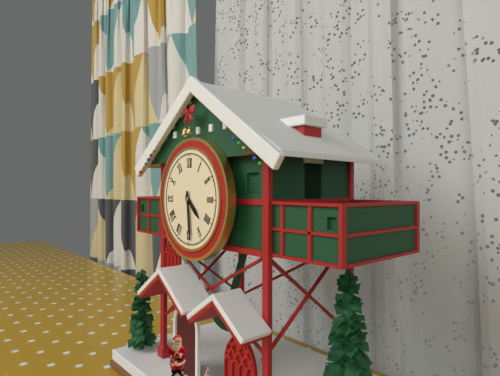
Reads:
{"hour": 4, "minute": 29}
